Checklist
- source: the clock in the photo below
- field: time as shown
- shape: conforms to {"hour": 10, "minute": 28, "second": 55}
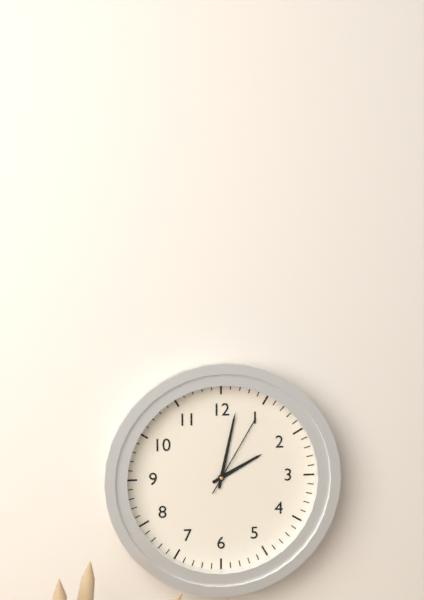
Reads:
{"hour": 2, "minute": 2, "second": 5}
